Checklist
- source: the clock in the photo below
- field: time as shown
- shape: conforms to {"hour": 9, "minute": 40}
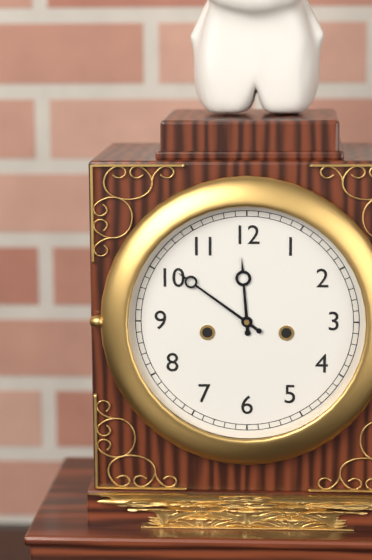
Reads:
{"hour": 11, "minute": 51}
